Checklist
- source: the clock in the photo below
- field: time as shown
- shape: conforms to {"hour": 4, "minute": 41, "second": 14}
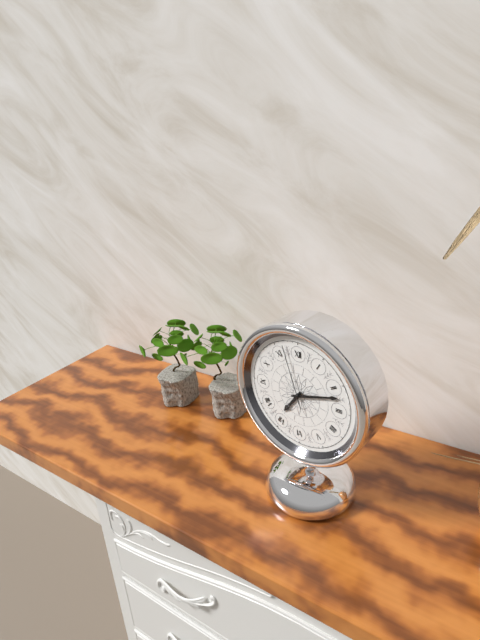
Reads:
{"hour": 7, "minute": 12, "second": 57}
